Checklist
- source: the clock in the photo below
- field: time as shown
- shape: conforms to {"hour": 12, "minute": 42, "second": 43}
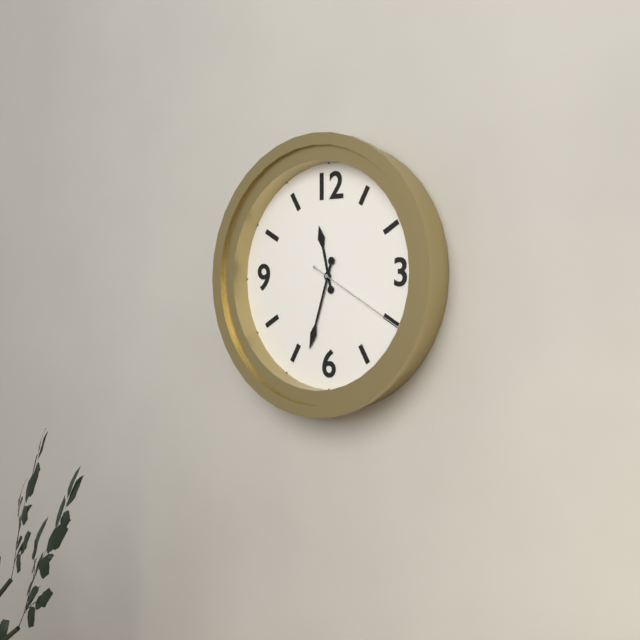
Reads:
{"hour": 11, "minute": 33, "second": 20}
